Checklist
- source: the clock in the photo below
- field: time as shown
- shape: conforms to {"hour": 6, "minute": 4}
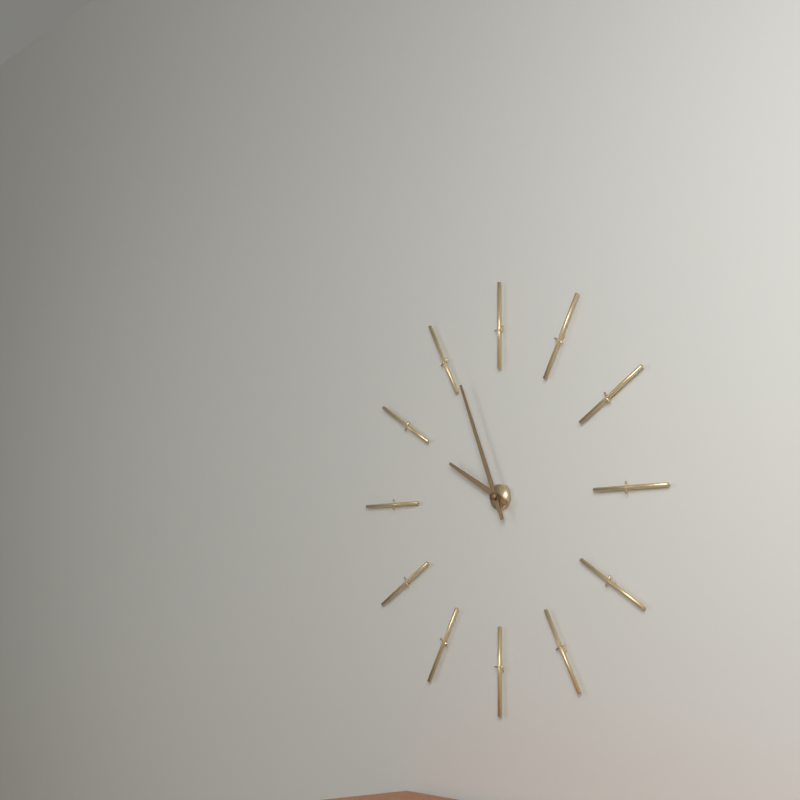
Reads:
{"hour": 9, "minute": 56}
